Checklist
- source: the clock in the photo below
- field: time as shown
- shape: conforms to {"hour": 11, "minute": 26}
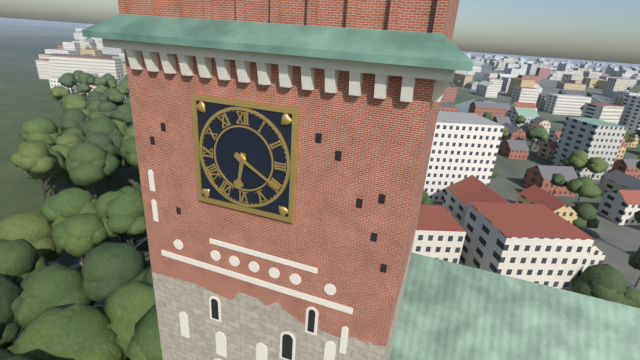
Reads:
{"hour": 6, "minute": 20}
